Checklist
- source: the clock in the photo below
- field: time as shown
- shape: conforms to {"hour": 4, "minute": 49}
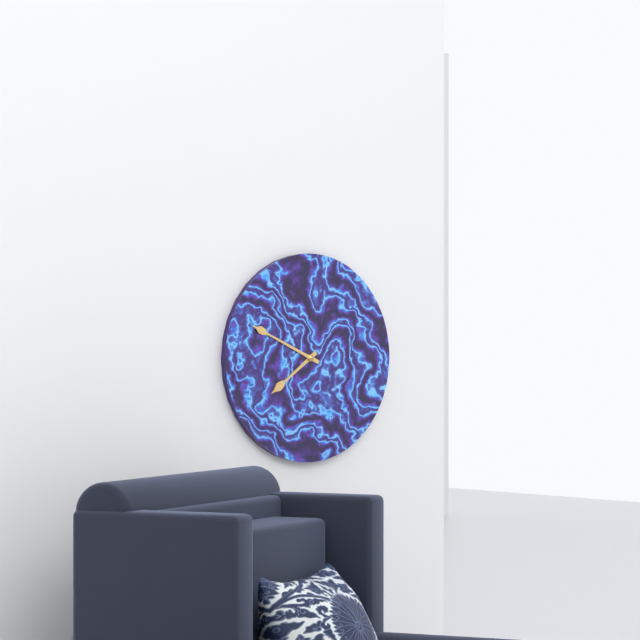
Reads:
{"hour": 7, "minute": 49}
